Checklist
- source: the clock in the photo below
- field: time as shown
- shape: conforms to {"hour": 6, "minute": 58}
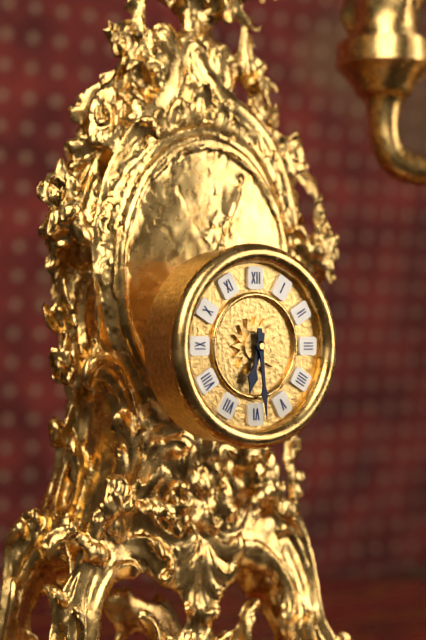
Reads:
{"hour": 6, "minute": 29}
